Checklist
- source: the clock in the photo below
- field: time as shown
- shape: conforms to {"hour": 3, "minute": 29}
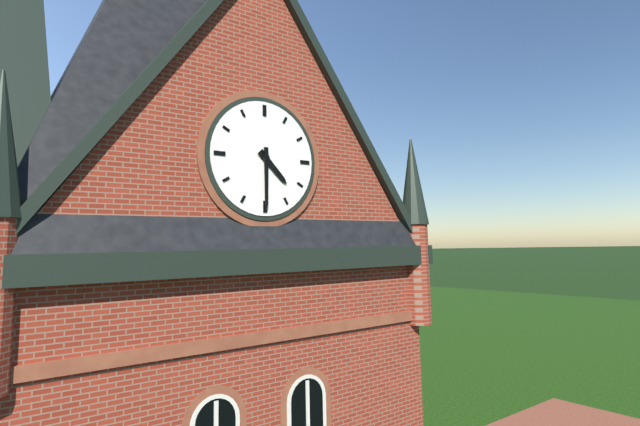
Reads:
{"hour": 4, "minute": 30}
